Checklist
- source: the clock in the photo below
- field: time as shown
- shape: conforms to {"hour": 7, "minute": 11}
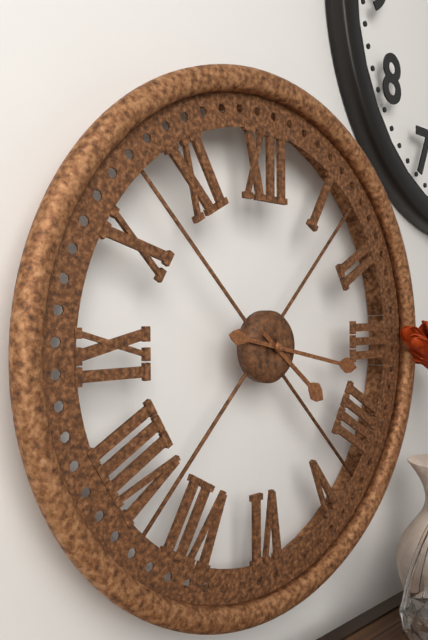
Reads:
{"hour": 4, "minute": 17}
